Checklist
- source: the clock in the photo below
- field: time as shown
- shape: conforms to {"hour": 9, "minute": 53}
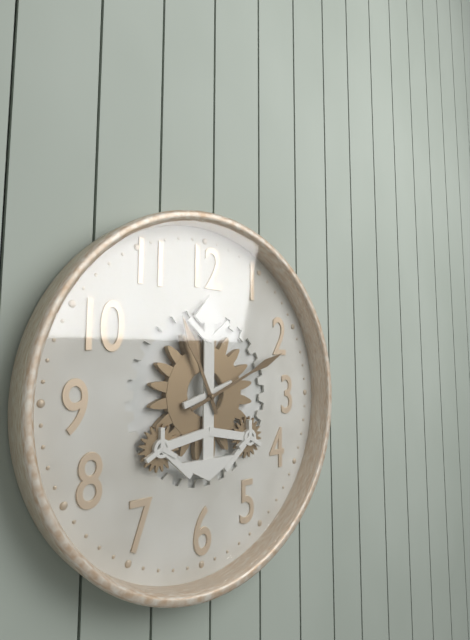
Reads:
{"hour": 11, "minute": 11}
